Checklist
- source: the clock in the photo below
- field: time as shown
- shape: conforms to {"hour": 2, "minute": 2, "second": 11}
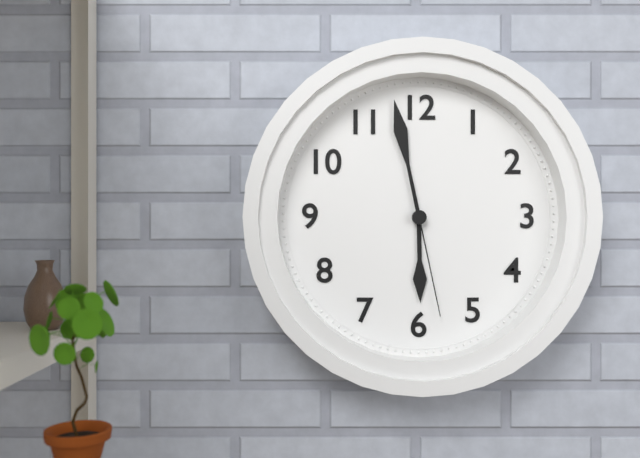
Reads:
{"hour": 5, "minute": 58, "second": 28}
